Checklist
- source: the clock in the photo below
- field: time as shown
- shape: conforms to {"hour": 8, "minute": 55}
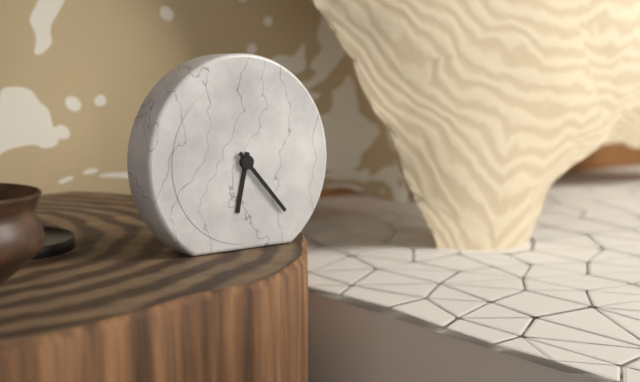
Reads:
{"hour": 6, "minute": 23}
